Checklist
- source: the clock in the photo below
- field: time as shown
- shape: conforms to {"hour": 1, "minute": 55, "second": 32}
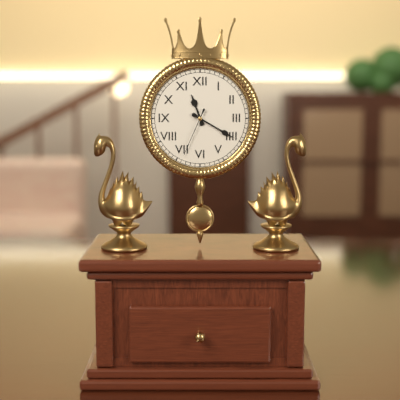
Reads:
{"hour": 11, "minute": 20, "second": 34}
